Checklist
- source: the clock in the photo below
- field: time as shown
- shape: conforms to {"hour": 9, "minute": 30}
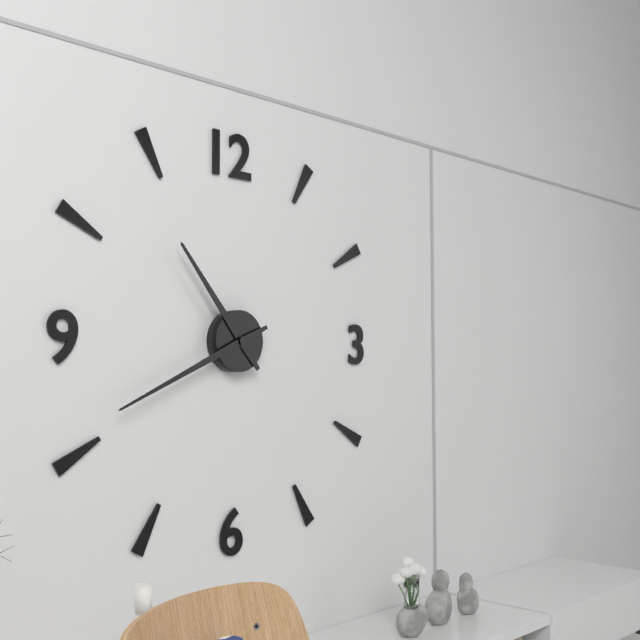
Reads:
{"hour": 10, "minute": 41}
